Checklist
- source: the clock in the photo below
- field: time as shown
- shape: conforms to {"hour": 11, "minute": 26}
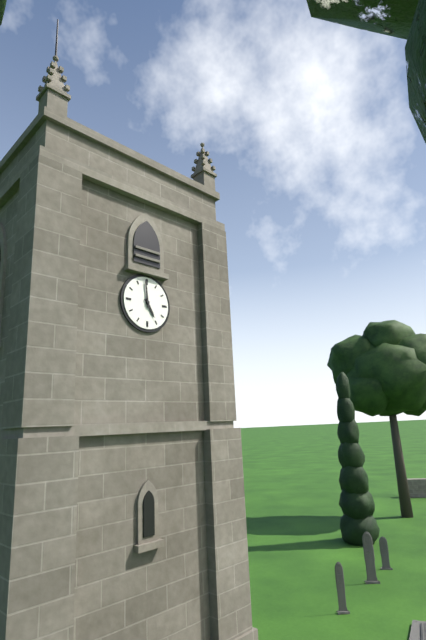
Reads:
{"hour": 4, "minute": 59}
